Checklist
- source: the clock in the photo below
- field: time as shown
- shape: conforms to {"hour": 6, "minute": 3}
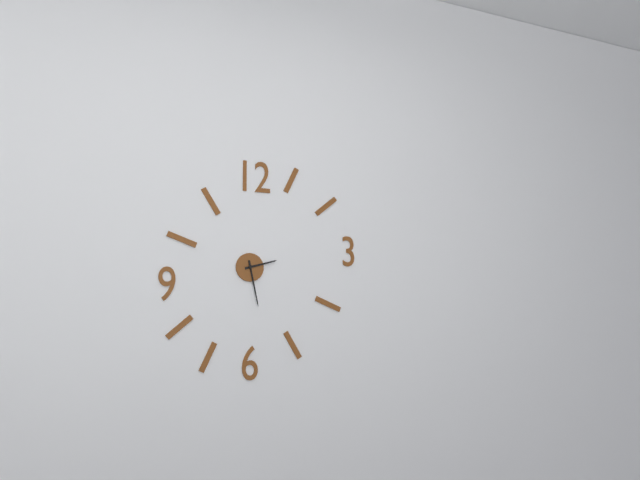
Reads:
{"hour": 2, "minute": 28}
